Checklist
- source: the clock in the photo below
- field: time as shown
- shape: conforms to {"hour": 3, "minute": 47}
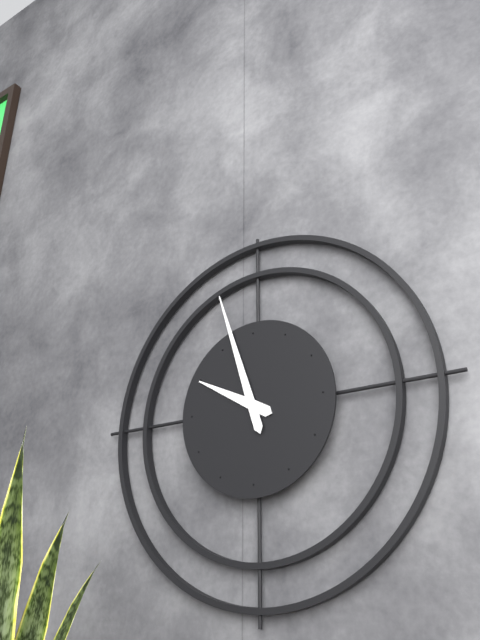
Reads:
{"hour": 9, "minute": 57}
